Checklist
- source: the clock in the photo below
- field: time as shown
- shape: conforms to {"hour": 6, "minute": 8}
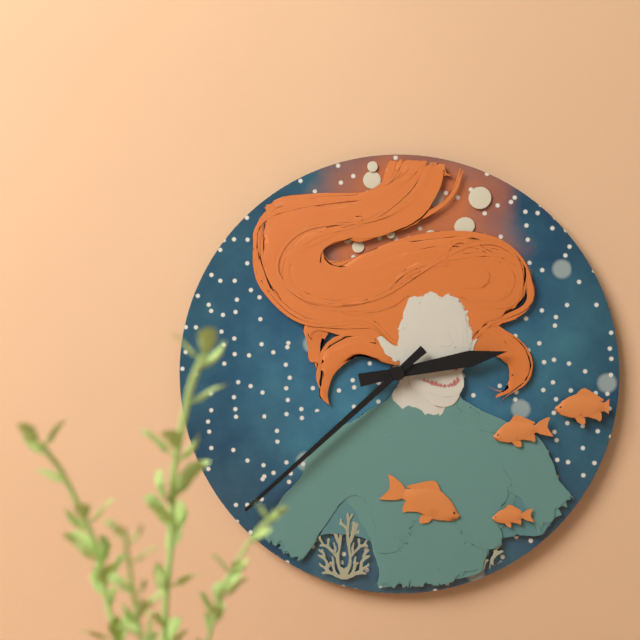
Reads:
{"hour": 2, "minute": 38}
